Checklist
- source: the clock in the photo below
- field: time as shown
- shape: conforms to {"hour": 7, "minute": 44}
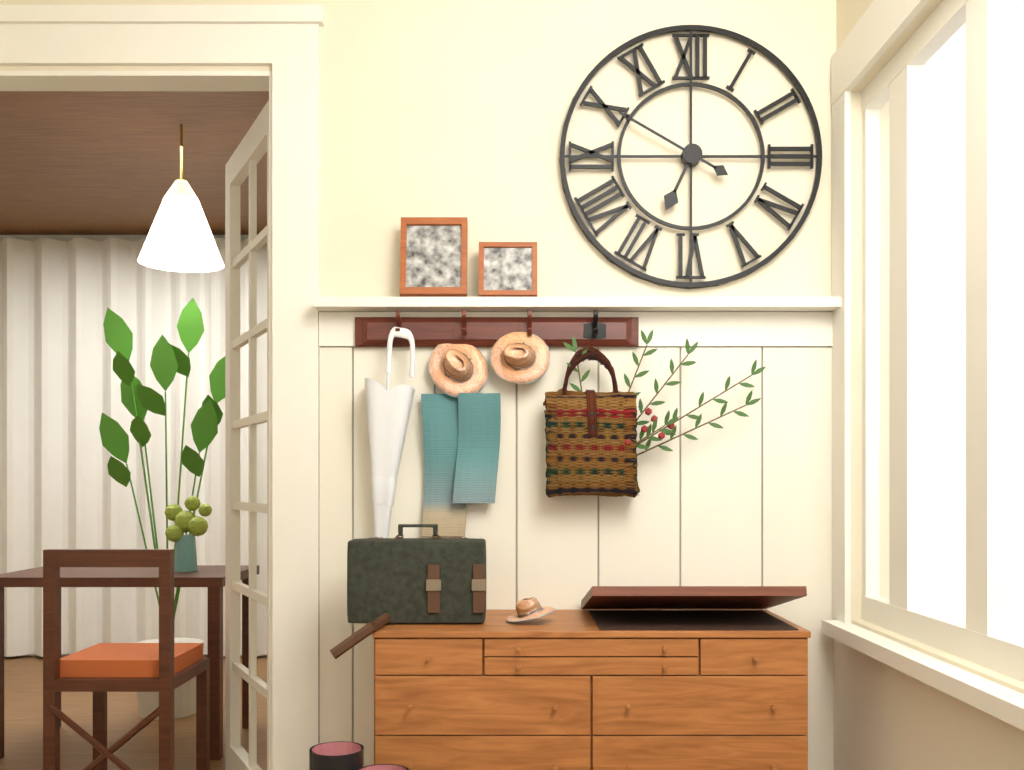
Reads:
{"hour": 6, "minute": 50}
